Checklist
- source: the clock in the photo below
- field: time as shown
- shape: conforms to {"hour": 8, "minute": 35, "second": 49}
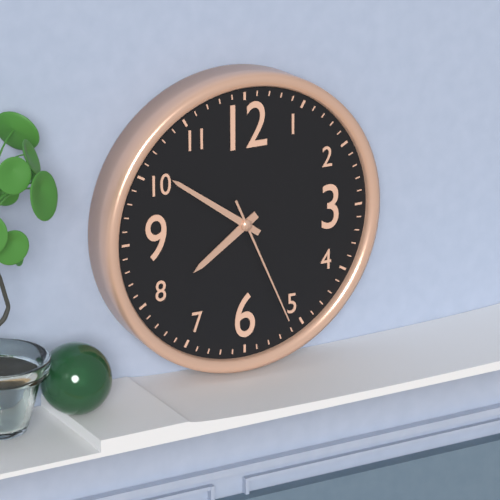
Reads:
{"hour": 7, "minute": 51, "second": 26}
